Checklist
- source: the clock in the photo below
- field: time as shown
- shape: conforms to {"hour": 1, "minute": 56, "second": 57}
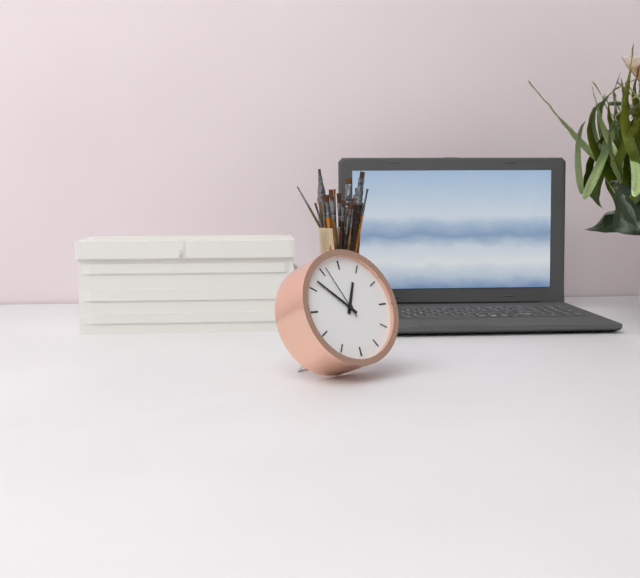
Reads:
{"hour": 12, "minute": 52, "second": 56}
